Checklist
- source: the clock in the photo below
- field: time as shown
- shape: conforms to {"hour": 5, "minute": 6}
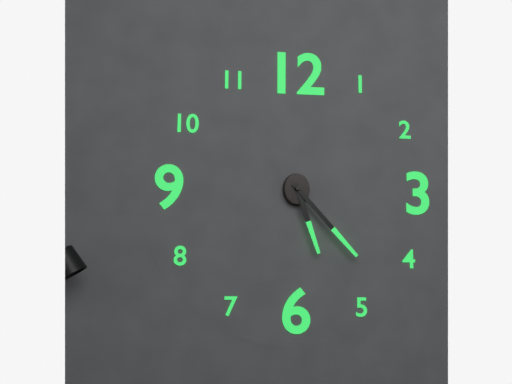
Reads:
{"hour": 5, "minute": 23}
